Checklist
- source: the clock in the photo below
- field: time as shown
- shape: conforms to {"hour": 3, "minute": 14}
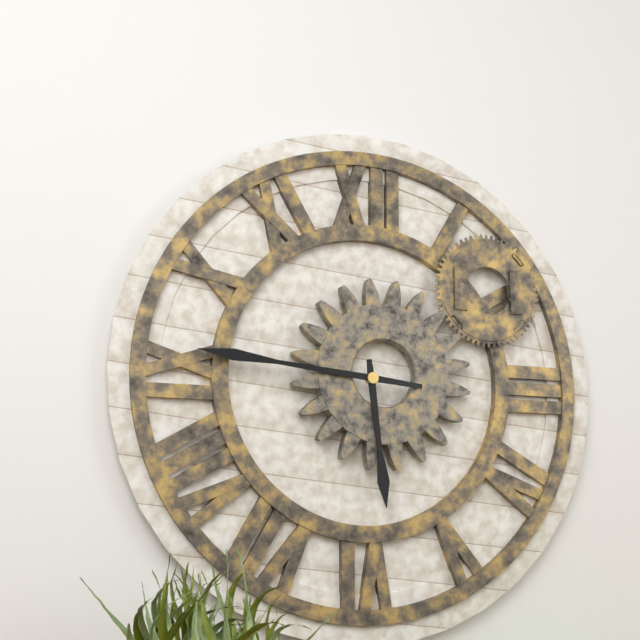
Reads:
{"hour": 5, "minute": 46}
